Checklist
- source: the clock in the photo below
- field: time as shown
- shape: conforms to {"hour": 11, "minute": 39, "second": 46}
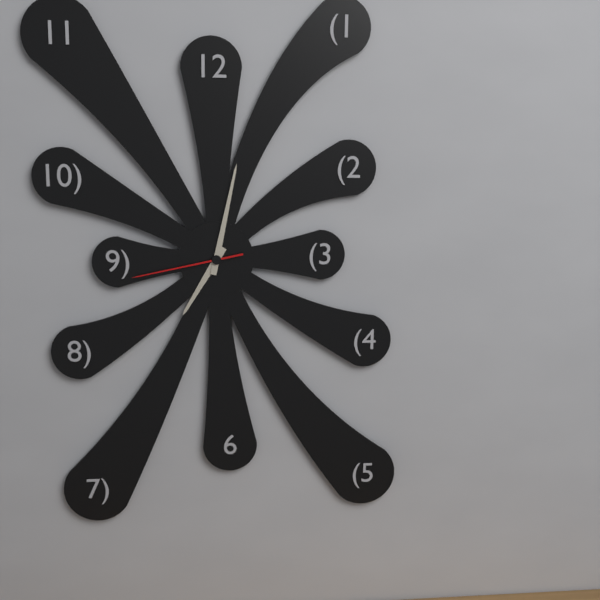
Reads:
{"hour": 7, "minute": 2, "second": 43}
